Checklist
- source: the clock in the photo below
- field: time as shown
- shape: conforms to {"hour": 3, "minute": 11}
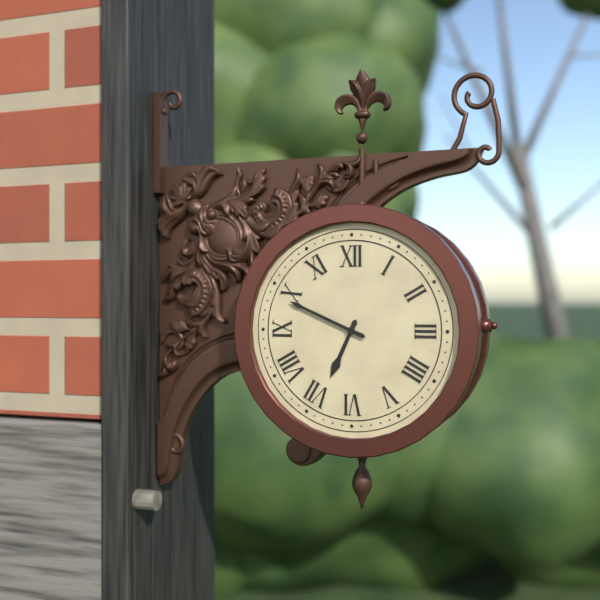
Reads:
{"hour": 6, "minute": 49}
